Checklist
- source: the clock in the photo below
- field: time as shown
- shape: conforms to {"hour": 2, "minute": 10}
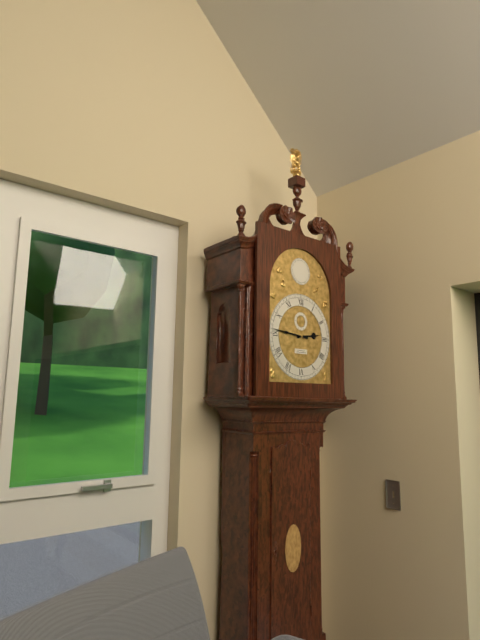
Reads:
{"hour": 2, "minute": 46}
